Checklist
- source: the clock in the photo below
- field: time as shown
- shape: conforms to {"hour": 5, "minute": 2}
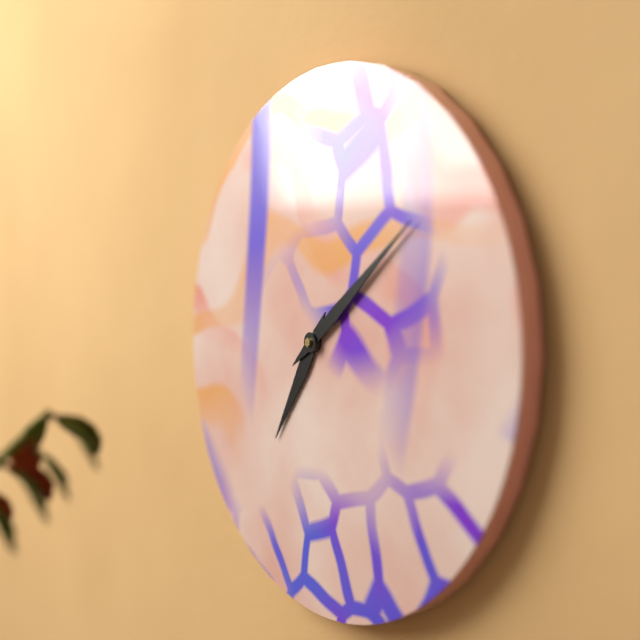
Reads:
{"hour": 7, "minute": 9}
